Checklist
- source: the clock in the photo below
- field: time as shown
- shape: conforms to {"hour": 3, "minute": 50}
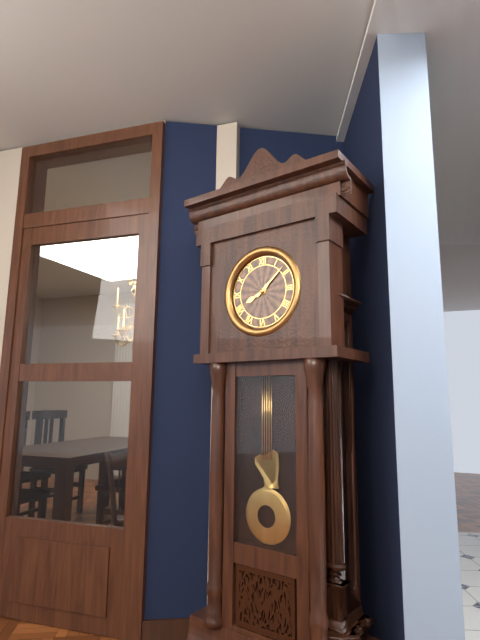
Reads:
{"hour": 8, "minute": 8}
